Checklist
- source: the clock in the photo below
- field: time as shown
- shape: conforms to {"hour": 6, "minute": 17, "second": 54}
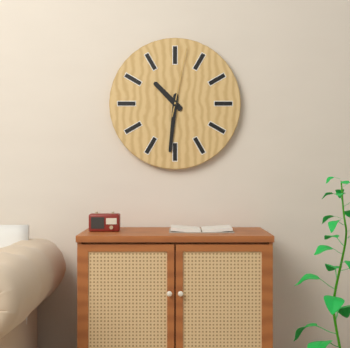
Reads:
{"hour": 10, "minute": 31, "second": 2}
